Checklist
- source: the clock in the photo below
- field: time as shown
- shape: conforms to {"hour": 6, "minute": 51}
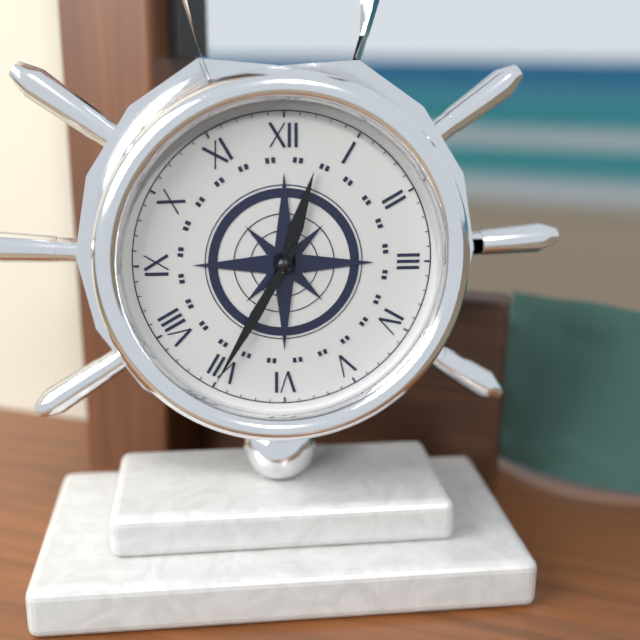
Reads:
{"hour": 12, "minute": 35}
